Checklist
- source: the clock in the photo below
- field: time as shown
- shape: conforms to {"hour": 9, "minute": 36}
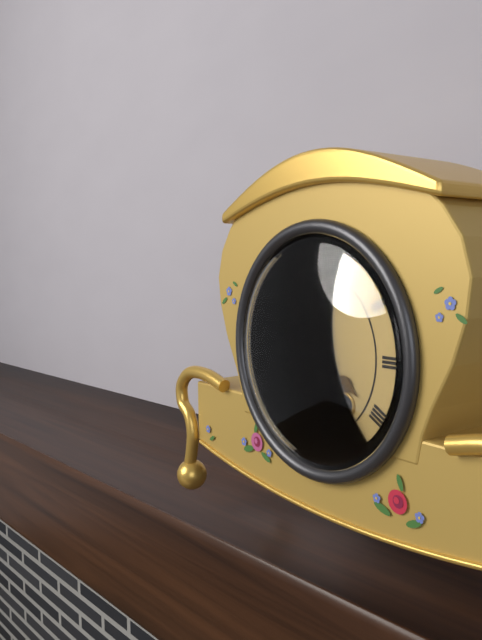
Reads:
{"hour": 3, "minute": 59}
